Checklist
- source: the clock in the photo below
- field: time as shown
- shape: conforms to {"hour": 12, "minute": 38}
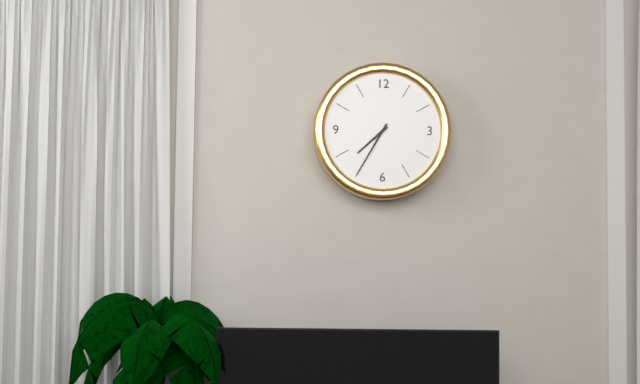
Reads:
{"hour": 7, "minute": 35}
